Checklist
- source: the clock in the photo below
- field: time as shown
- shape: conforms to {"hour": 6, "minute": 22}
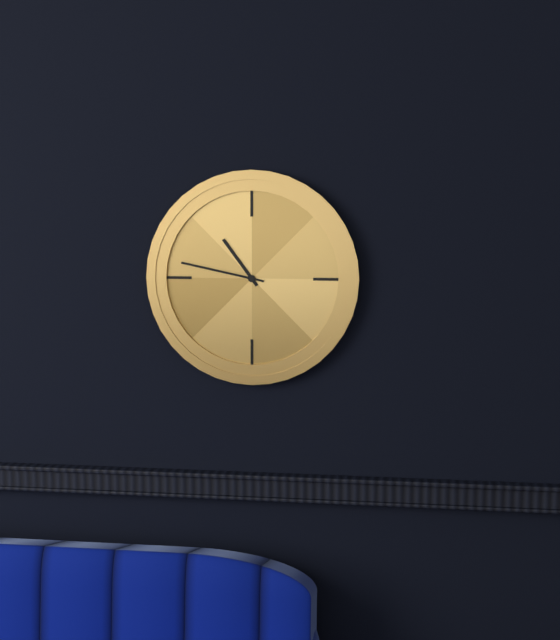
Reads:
{"hour": 10, "minute": 47}
